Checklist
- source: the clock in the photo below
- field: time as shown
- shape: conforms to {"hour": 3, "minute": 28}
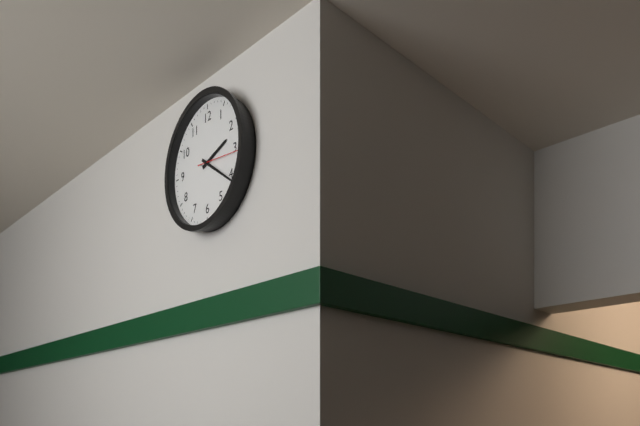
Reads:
{"hour": 2, "minute": 21}
